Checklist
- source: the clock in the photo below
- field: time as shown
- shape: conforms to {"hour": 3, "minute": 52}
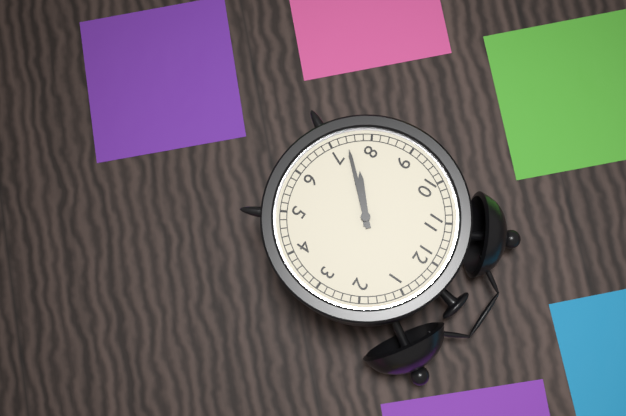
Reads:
{"hour": 7, "minute": 37}
